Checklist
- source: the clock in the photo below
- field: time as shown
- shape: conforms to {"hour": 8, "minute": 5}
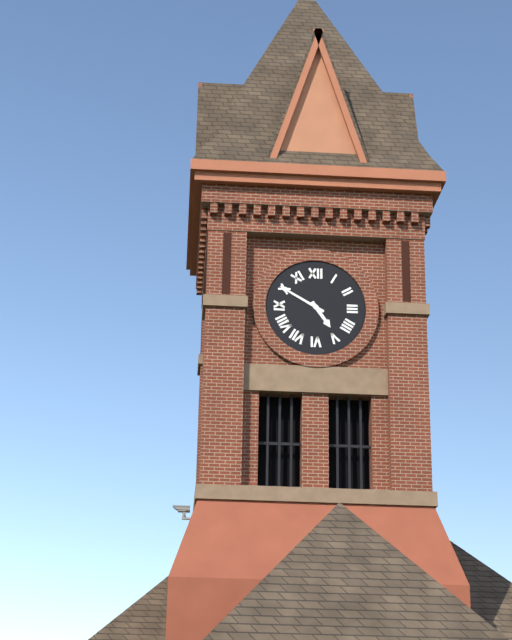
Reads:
{"hour": 4, "minute": 50}
